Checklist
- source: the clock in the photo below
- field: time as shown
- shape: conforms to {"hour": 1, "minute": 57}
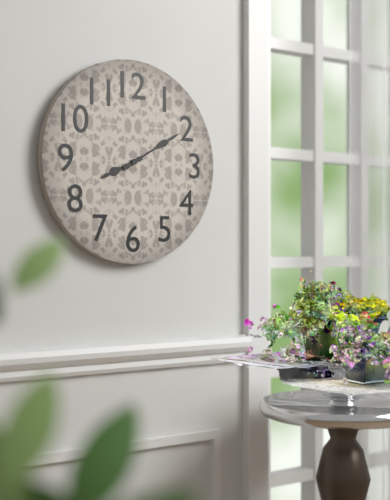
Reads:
{"hour": 8, "minute": 10}
